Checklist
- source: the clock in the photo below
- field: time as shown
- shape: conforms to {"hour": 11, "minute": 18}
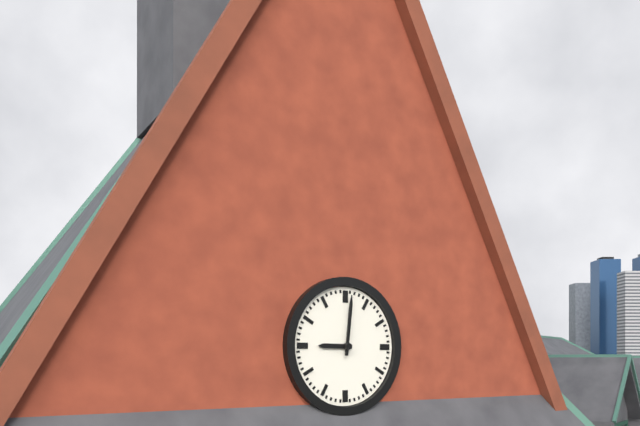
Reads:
{"hour": 9, "minute": 1}
